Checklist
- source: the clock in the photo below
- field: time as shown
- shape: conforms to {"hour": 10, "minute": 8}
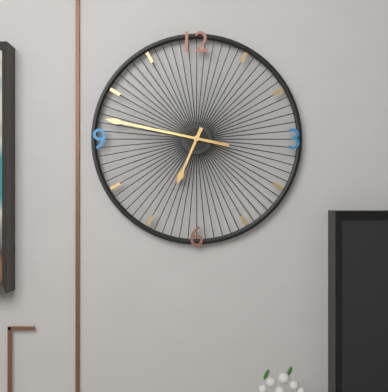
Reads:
{"hour": 6, "minute": 47}
